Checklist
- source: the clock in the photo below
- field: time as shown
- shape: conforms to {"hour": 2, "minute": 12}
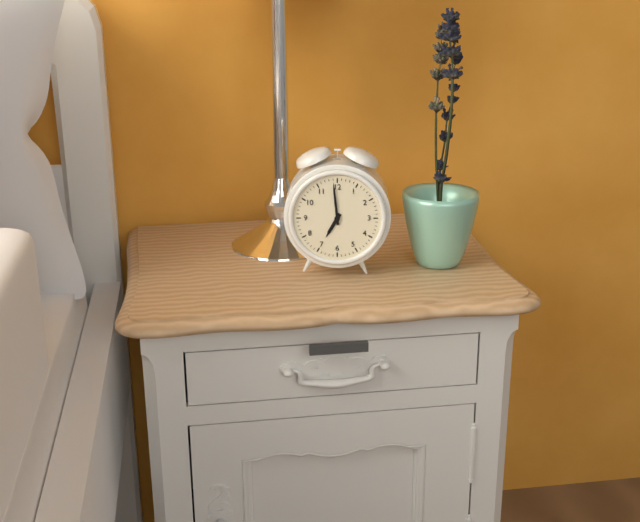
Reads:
{"hour": 6, "minute": 59}
